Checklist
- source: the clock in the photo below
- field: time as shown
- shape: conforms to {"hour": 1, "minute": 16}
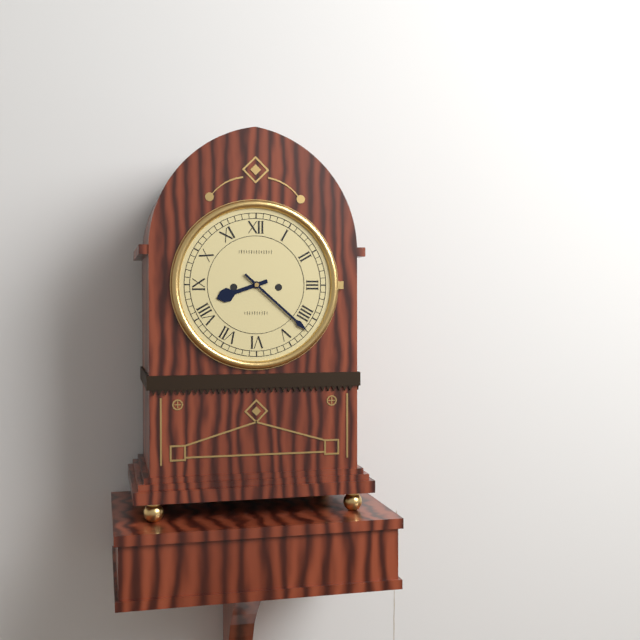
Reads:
{"hour": 8, "minute": 22}
